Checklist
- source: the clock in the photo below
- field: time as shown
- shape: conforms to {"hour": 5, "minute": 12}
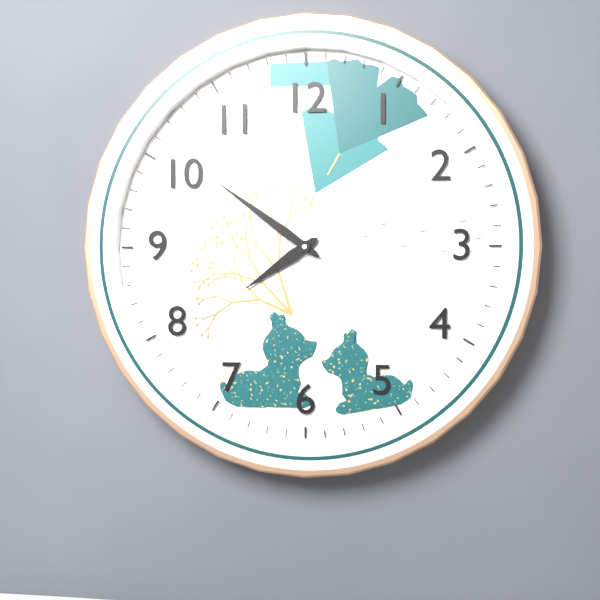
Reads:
{"hour": 7, "minute": 51}
